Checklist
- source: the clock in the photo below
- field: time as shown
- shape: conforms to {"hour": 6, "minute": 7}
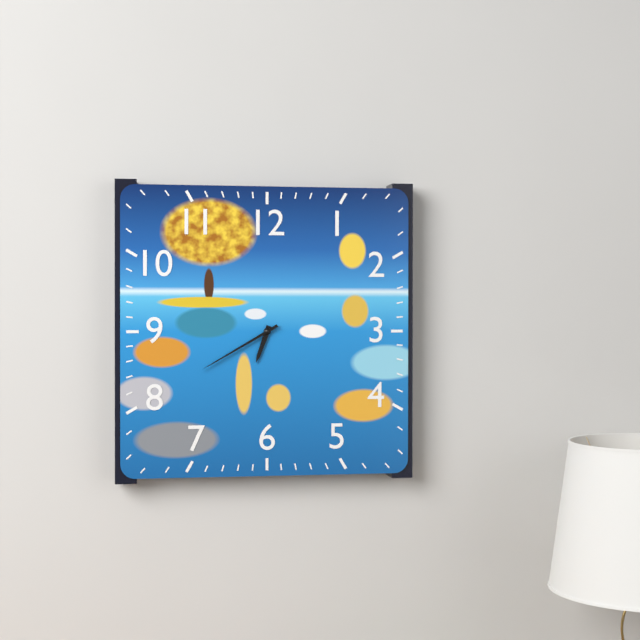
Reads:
{"hour": 6, "minute": 40}
